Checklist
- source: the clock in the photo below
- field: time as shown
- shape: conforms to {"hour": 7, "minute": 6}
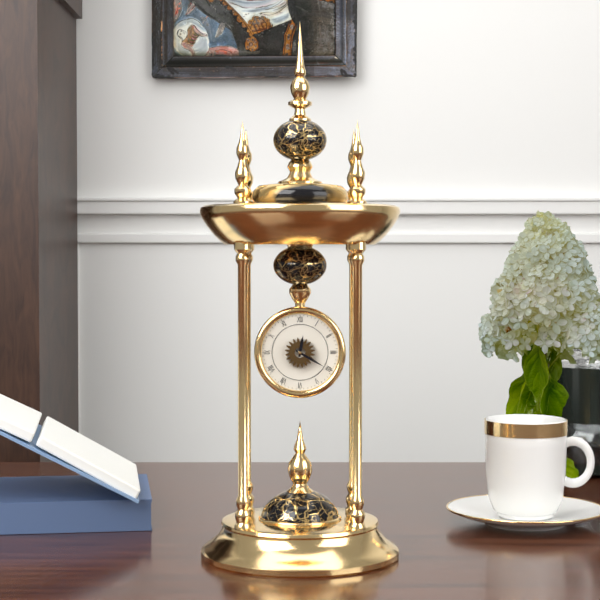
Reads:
{"hour": 12, "minute": 20}
